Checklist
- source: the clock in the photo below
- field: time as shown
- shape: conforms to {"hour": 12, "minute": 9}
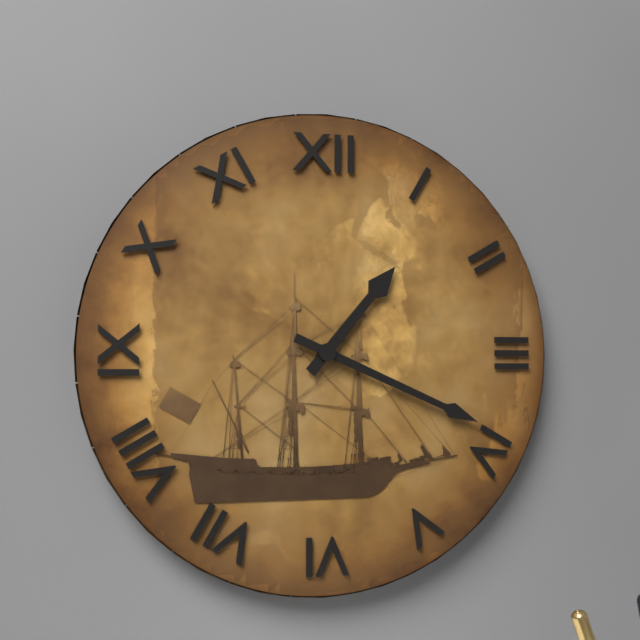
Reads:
{"hour": 1, "minute": 19}
